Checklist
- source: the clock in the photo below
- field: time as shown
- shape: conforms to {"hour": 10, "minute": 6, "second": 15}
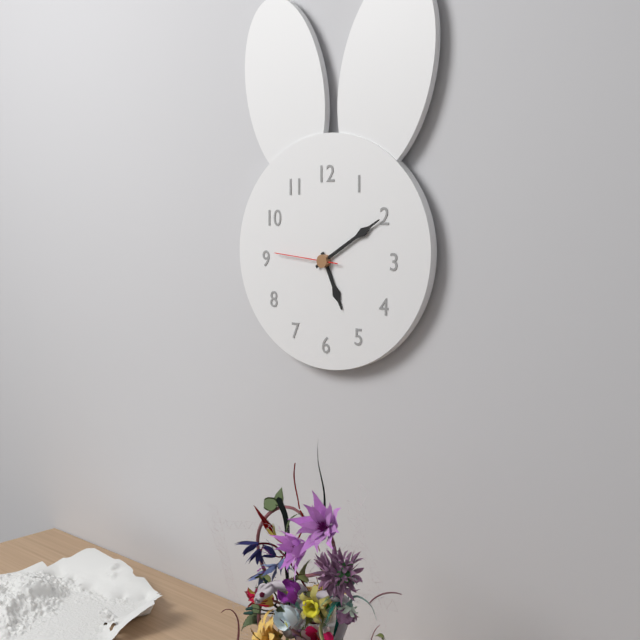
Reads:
{"hour": 5, "minute": 10, "second": 46}
